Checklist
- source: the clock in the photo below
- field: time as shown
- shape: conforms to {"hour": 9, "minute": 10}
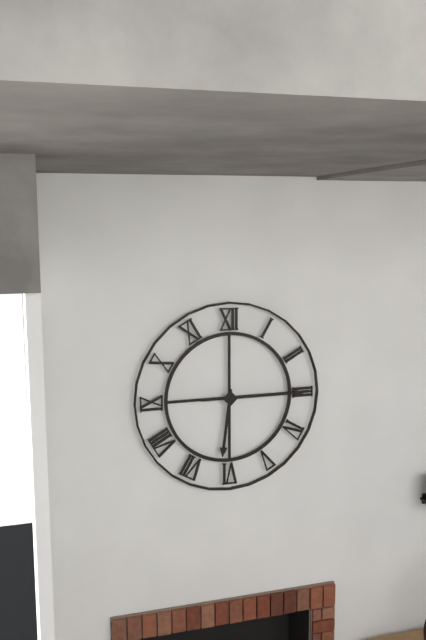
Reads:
{"hour": 6, "minute": 15}
